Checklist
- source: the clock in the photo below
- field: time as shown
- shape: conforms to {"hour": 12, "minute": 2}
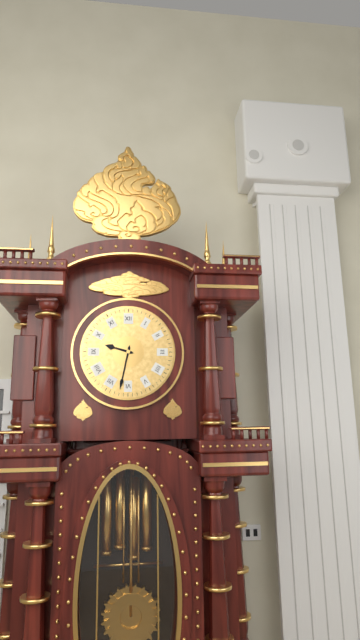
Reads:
{"hour": 9, "minute": 32}
